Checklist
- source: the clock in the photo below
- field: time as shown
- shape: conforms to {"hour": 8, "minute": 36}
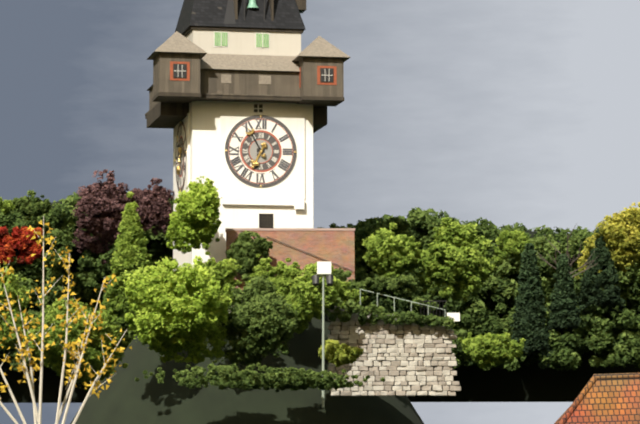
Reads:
{"hour": 6, "minute": 55}
